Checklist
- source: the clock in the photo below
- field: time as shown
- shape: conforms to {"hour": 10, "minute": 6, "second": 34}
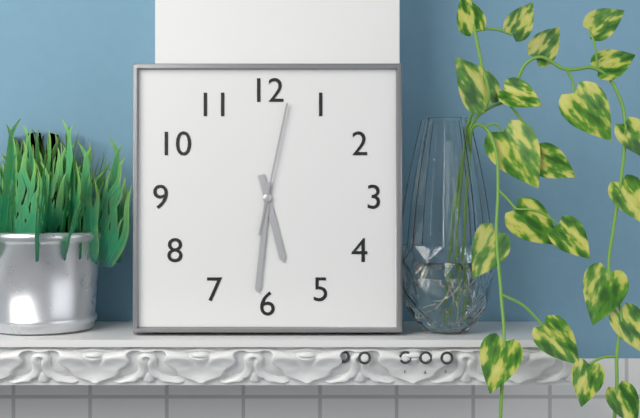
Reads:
{"hour": 5, "minute": 31, "second": 2}
